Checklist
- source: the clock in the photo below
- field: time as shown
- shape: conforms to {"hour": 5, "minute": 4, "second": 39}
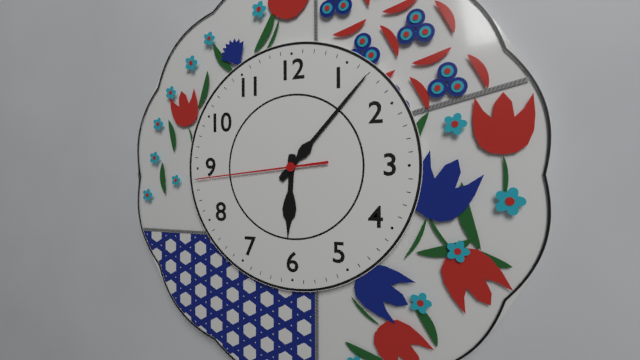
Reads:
{"hour": 6, "minute": 7, "second": 44}
